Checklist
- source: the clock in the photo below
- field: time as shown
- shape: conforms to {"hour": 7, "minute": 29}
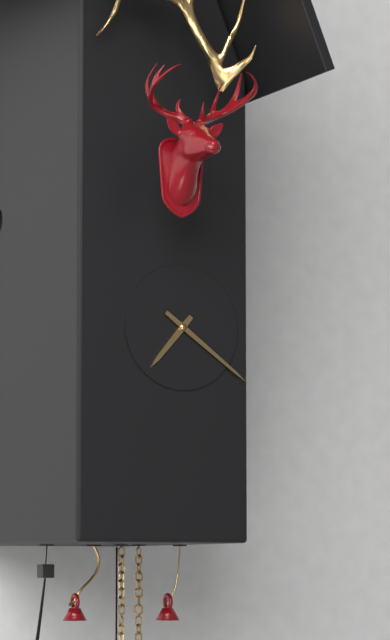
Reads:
{"hour": 7, "minute": 21}
